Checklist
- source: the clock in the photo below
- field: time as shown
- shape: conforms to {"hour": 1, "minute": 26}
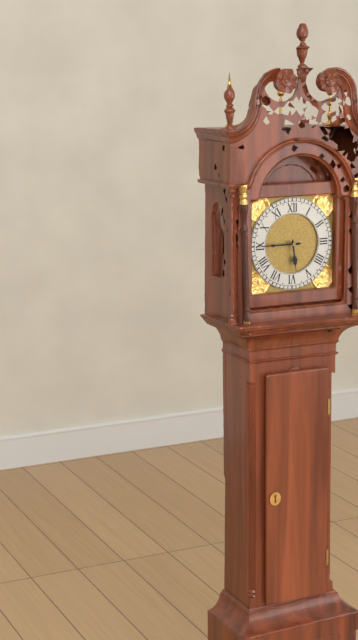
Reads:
{"hour": 5, "minute": 45}
